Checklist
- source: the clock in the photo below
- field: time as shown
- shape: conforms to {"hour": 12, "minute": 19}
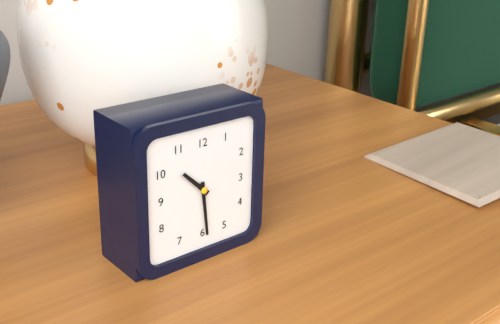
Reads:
{"hour": 10, "minute": 29}
